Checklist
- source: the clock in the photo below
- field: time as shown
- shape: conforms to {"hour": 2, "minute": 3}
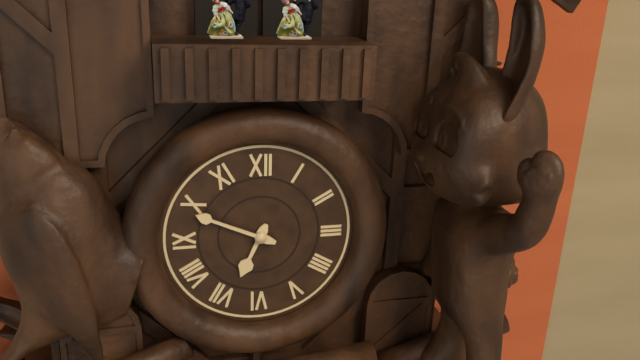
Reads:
{"hour": 6, "minute": 49}
